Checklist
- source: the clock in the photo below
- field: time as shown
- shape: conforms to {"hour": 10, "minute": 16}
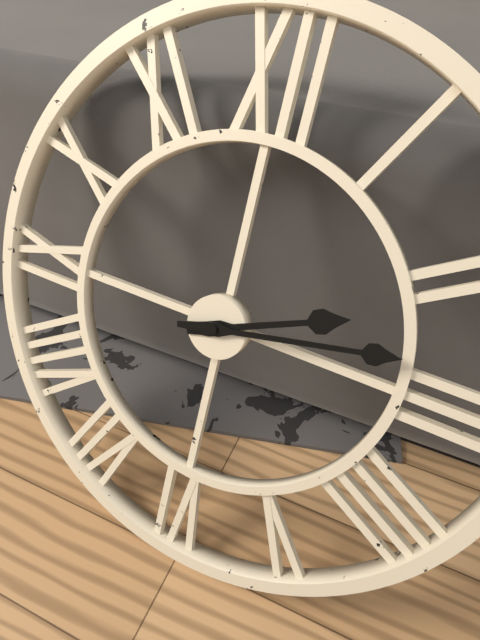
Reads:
{"hour": 2, "minute": 13}
